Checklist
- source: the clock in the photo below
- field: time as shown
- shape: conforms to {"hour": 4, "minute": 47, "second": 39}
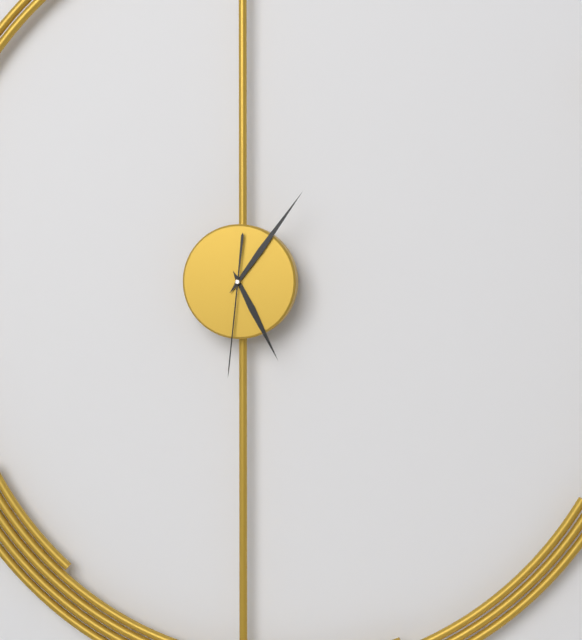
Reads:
{"hour": 5, "minute": 6, "second": 31}
